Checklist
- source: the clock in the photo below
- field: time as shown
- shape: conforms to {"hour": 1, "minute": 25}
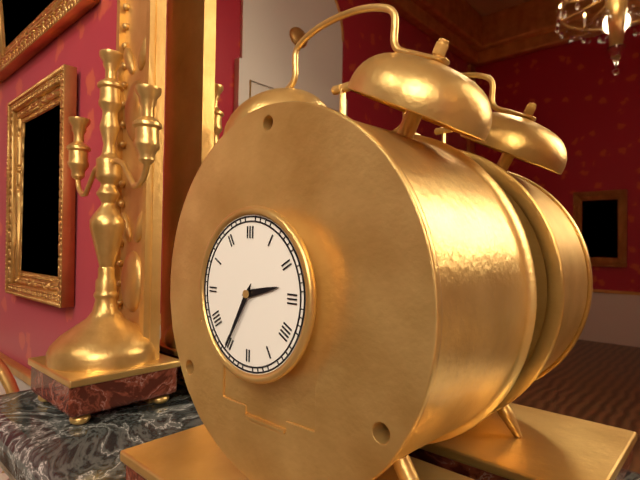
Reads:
{"hour": 2, "minute": 35}
